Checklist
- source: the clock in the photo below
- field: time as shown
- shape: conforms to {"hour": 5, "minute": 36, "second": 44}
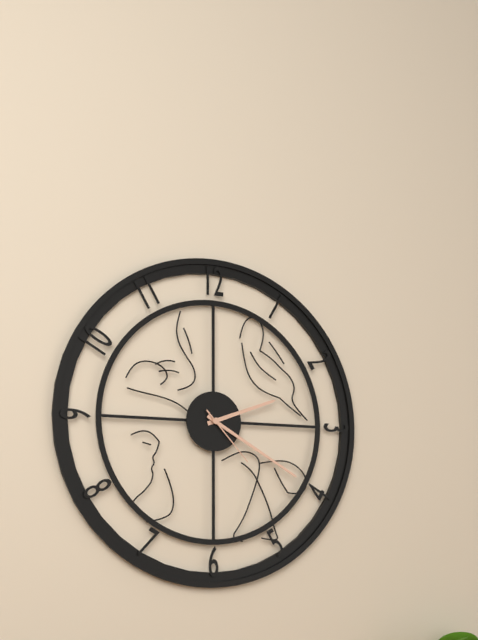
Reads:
{"hour": 2, "minute": 20, "second": 23}
